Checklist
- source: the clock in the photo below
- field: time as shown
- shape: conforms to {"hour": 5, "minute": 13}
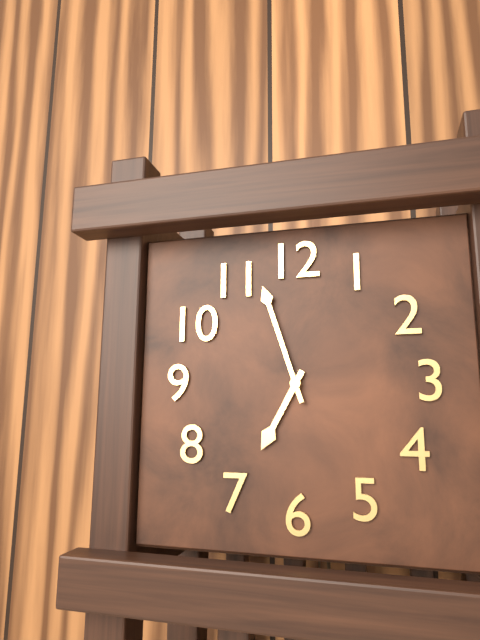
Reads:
{"hour": 6, "minute": 57}
